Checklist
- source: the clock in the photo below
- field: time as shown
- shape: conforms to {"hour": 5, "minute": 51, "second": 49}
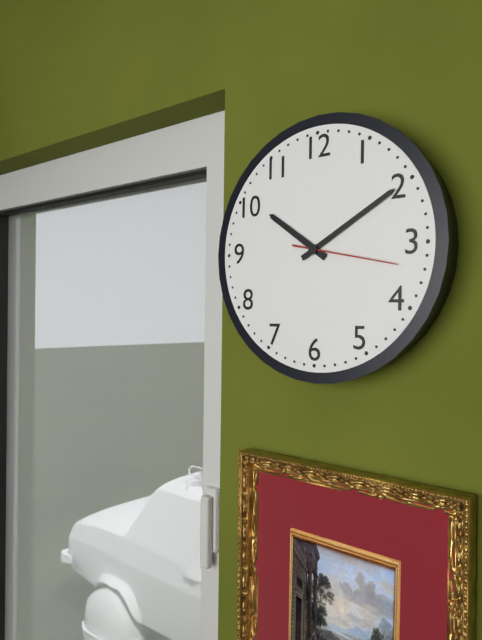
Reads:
{"hour": 10, "minute": 10, "second": 17}
